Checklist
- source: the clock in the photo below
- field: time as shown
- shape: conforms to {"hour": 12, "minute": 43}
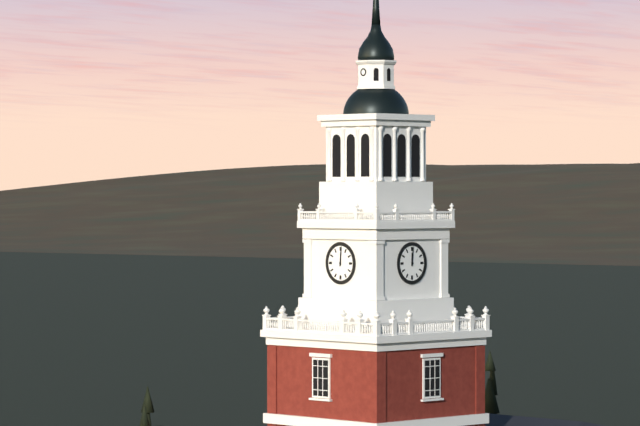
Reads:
{"hour": 12, "minute": 1}
